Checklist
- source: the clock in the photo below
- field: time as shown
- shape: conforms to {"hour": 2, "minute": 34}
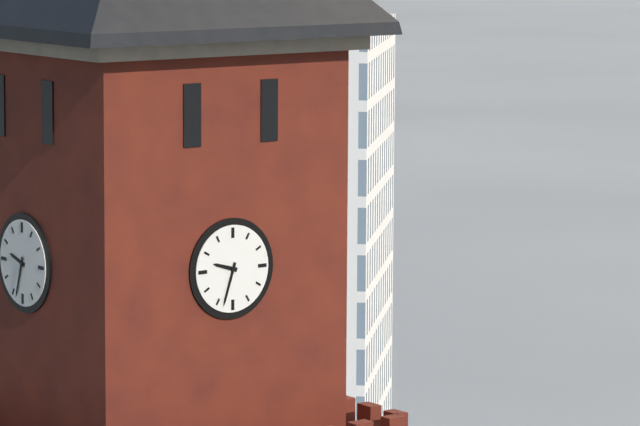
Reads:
{"hour": 9, "minute": 33}
